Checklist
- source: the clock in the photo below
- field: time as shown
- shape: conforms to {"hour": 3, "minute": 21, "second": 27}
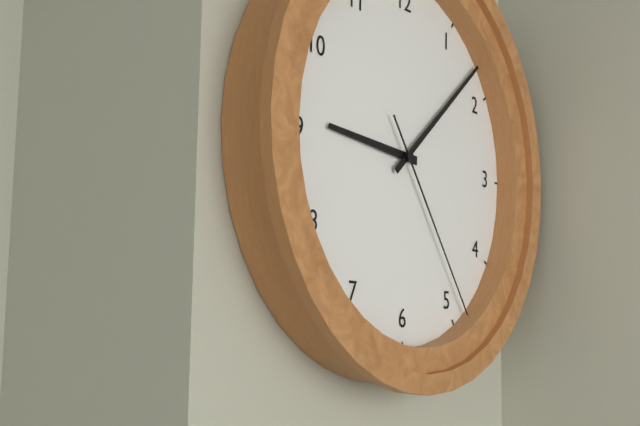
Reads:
{"hour": 9, "minute": 8, "second": 24}
